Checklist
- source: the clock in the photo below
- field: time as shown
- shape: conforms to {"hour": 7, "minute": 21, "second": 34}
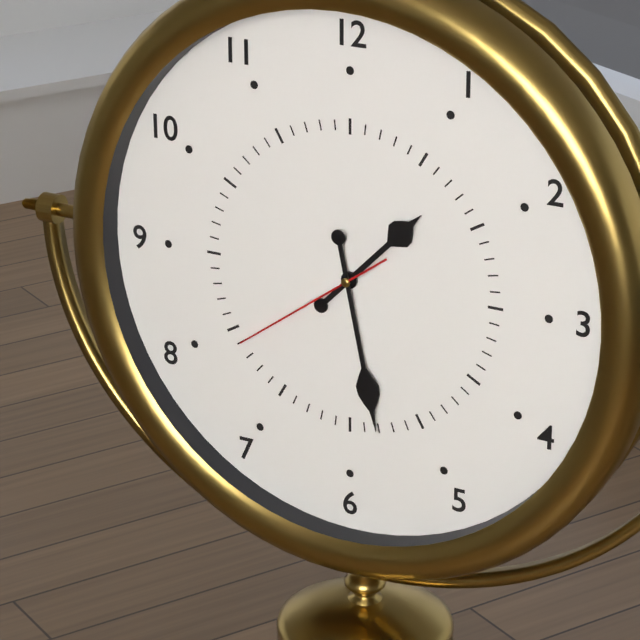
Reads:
{"hour": 1, "minute": 28, "second": 39}
